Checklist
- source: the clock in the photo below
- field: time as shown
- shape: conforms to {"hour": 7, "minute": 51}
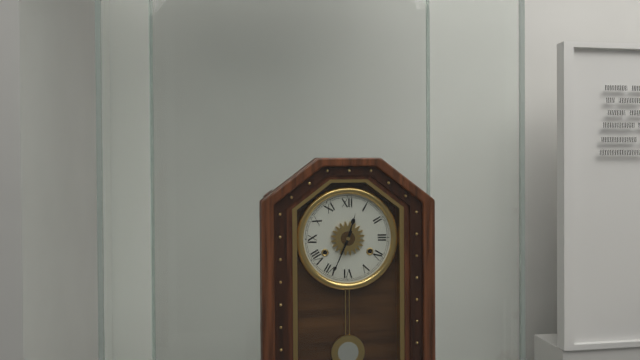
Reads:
{"hour": 12, "minute": 34}
